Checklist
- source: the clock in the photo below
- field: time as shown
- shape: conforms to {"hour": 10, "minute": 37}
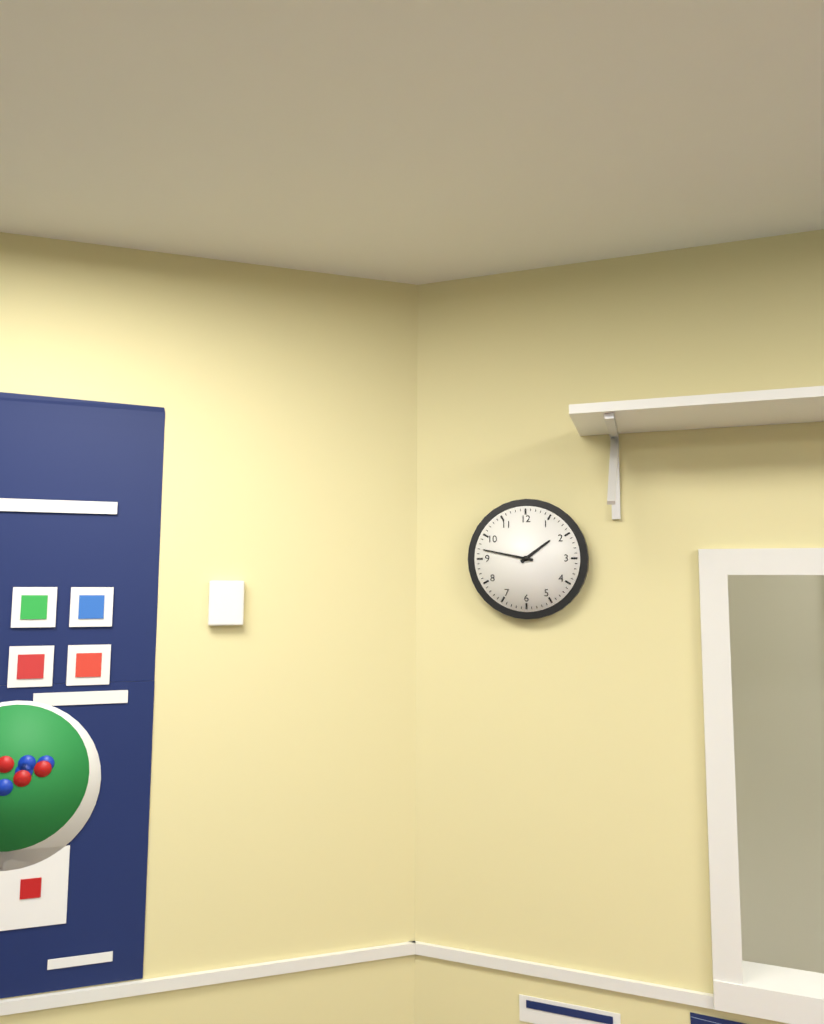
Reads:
{"hour": 1, "minute": 47}
